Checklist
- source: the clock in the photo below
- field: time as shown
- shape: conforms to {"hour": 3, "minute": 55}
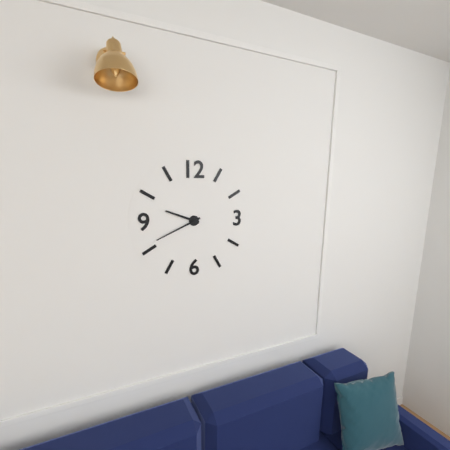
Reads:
{"hour": 9, "minute": 41}
